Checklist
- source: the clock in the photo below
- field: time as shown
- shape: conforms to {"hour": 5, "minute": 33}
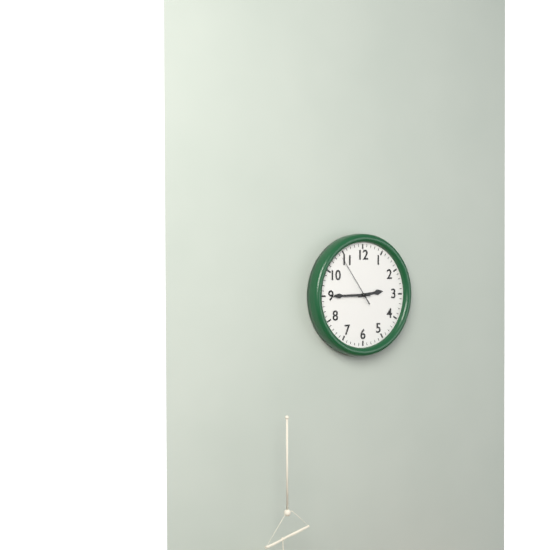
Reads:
{"hour": 2, "minute": 45}
